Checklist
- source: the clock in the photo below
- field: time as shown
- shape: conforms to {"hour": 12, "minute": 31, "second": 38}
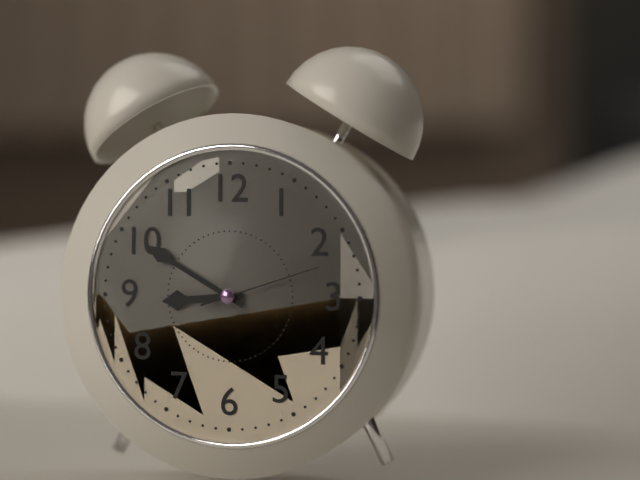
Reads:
{"hour": 8, "minute": 50, "second": 12}
